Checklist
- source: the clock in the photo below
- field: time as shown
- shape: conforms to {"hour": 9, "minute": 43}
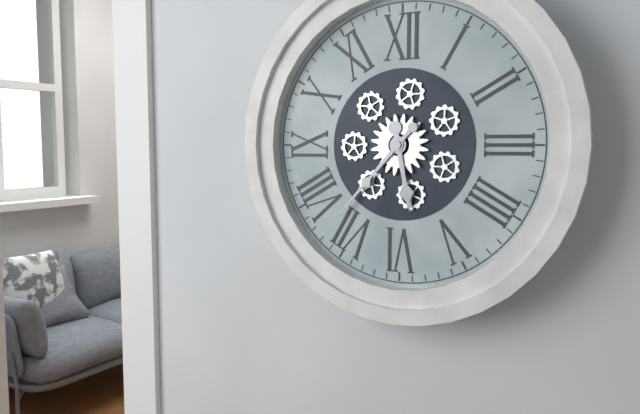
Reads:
{"hour": 5, "minute": 37}
